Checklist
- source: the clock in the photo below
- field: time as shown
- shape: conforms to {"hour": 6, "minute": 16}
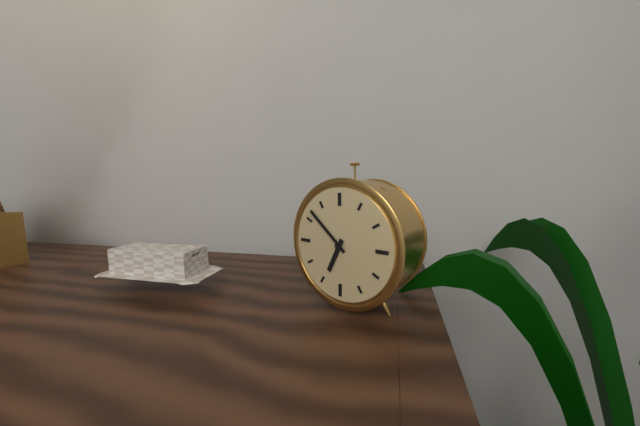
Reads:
{"hour": 6, "minute": 52}
